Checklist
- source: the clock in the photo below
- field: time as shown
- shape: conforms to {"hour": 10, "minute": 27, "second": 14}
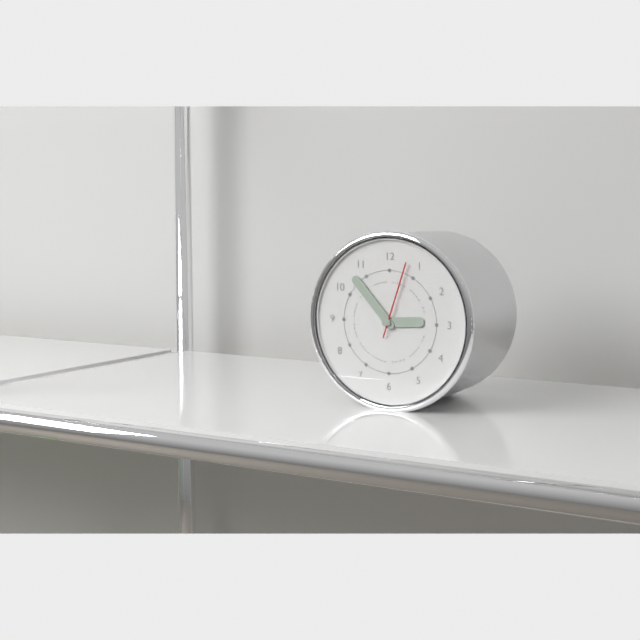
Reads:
{"hour": 2, "minute": 53, "second": 3}
